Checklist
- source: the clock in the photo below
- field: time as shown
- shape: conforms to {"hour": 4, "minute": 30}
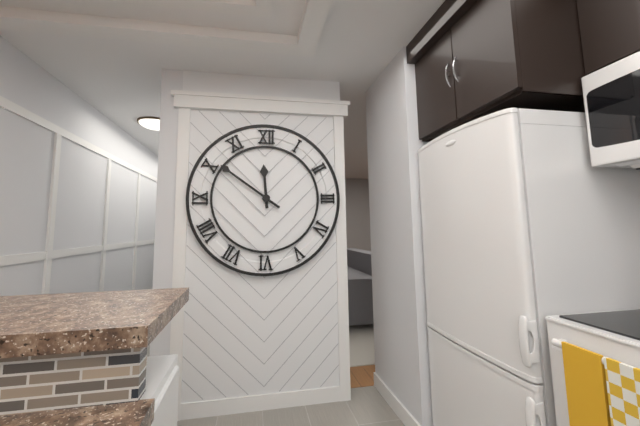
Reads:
{"hour": 11, "minute": 51}
